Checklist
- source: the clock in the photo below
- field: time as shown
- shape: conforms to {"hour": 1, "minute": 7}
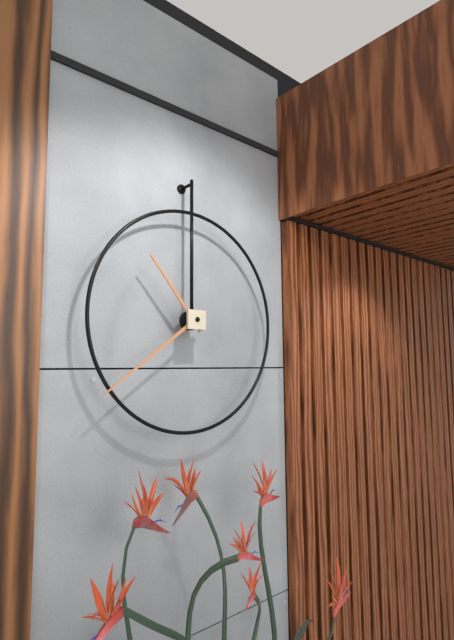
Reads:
{"hour": 10, "minute": 39}
